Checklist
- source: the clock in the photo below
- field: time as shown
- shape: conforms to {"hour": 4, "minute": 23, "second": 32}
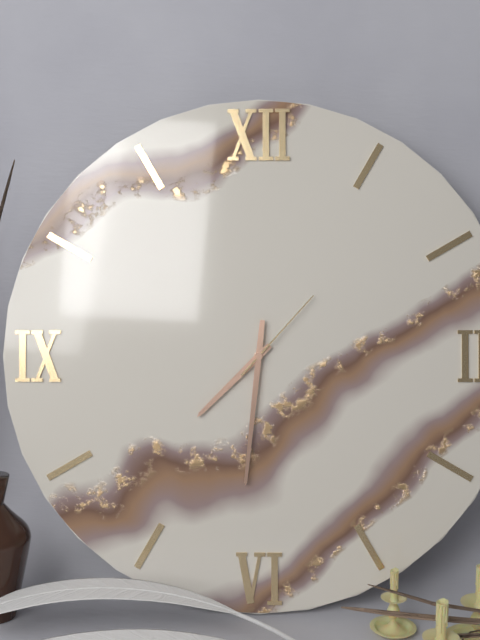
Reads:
{"hour": 7, "minute": 31, "second": 7}
